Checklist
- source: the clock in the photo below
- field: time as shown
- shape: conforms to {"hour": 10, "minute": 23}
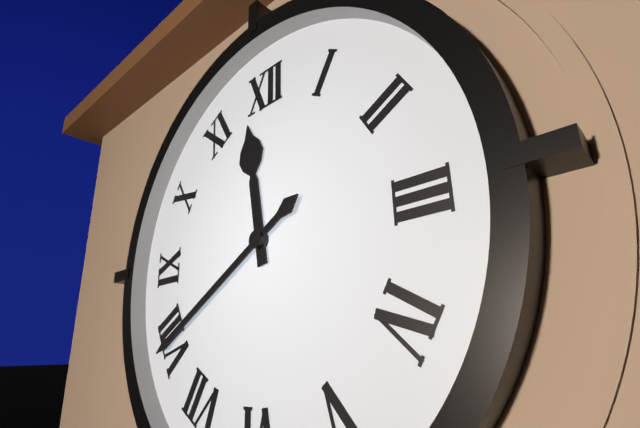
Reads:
{"hour": 11, "minute": 40}
